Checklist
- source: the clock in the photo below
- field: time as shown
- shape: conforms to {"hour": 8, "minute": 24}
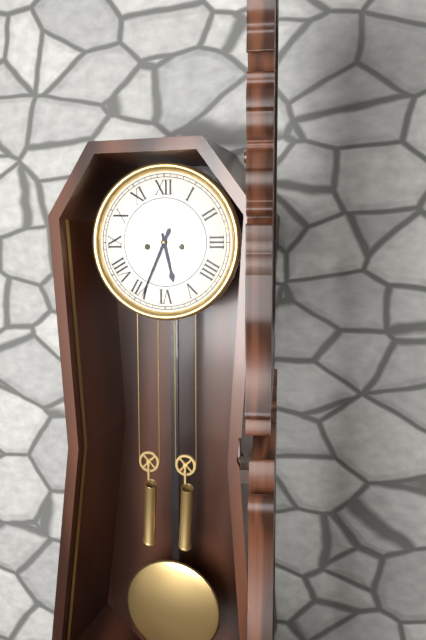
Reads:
{"hour": 5, "minute": 34}
